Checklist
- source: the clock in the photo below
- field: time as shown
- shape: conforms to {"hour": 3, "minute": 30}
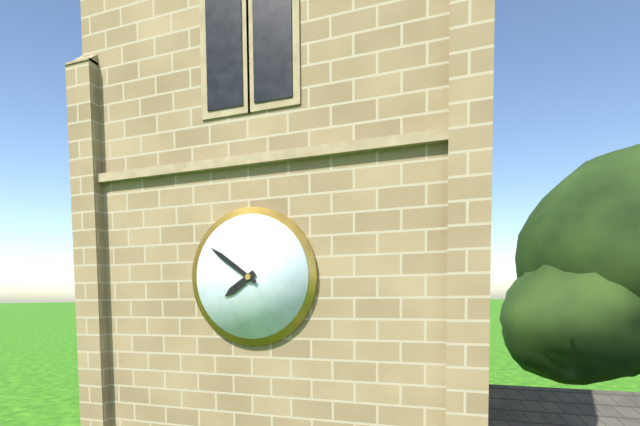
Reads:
{"hour": 7, "minute": 51}
